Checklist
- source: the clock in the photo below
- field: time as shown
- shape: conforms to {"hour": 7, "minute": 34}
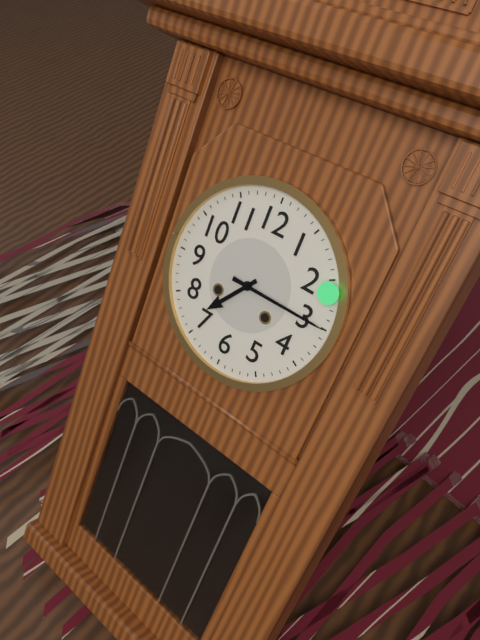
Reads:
{"hour": 7, "minute": 15}
